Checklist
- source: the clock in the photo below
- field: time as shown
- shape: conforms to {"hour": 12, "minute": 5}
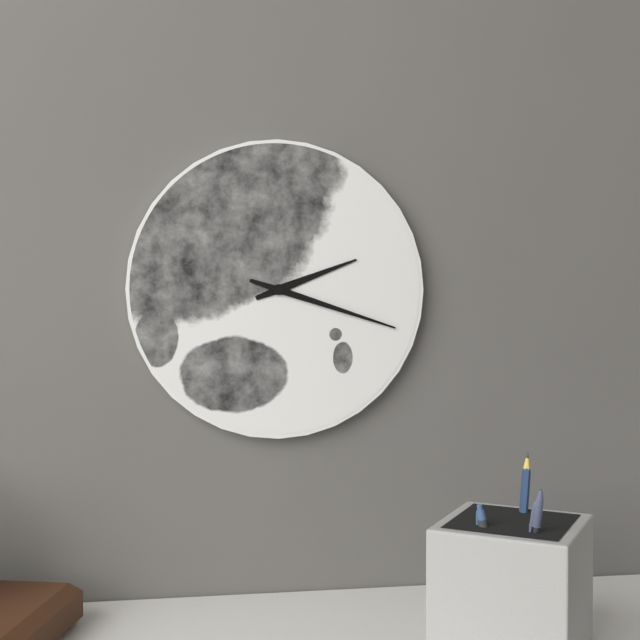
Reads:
{"hour": 2, "minute": 18}
